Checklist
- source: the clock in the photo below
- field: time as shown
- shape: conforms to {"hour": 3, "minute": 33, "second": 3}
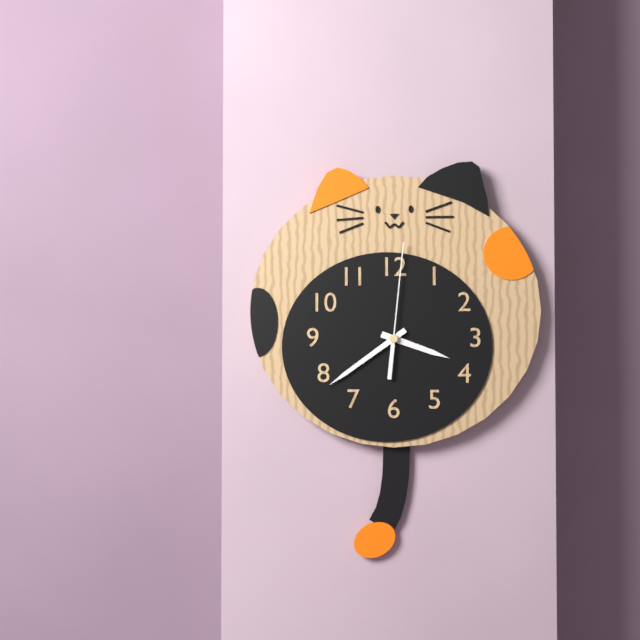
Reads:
{"hour": 3, "minute": 39, "second": 1}
